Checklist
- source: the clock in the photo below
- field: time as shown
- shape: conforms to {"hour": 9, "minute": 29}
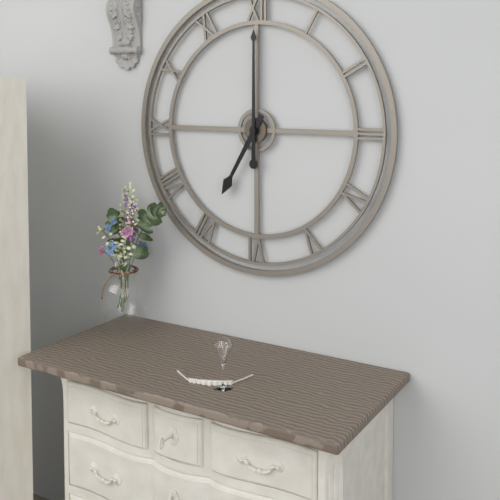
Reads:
{"hour": 7, "minute": 0}
